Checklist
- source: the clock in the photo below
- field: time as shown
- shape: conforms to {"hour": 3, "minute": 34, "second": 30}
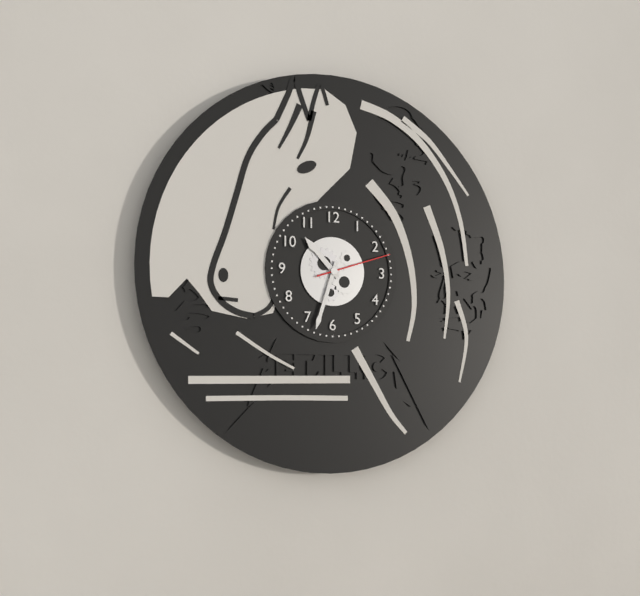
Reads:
{"hour": 10, "minute": 33, "second": 12}
